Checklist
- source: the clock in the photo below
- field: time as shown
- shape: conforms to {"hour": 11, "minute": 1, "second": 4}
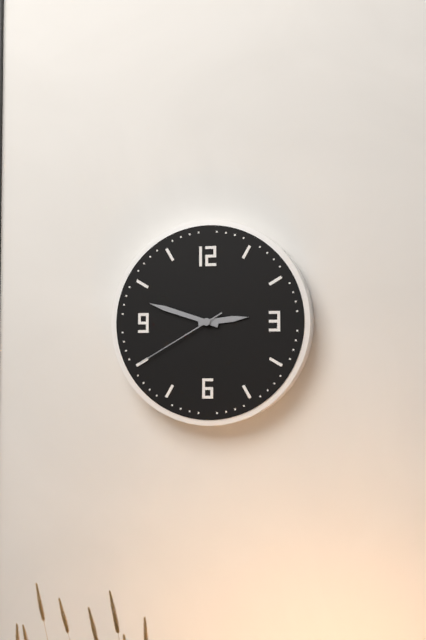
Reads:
{"hour": 2, "minute": 48, "second": 40}
